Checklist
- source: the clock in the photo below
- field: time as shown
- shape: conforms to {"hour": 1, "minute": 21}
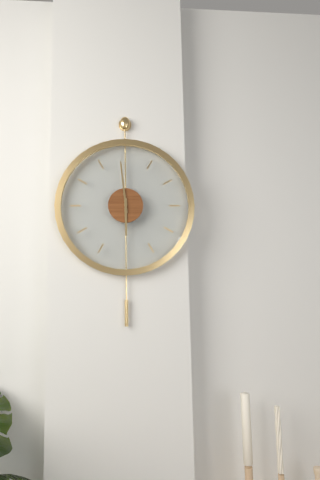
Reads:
{"hour": 5, "minute": 59}
